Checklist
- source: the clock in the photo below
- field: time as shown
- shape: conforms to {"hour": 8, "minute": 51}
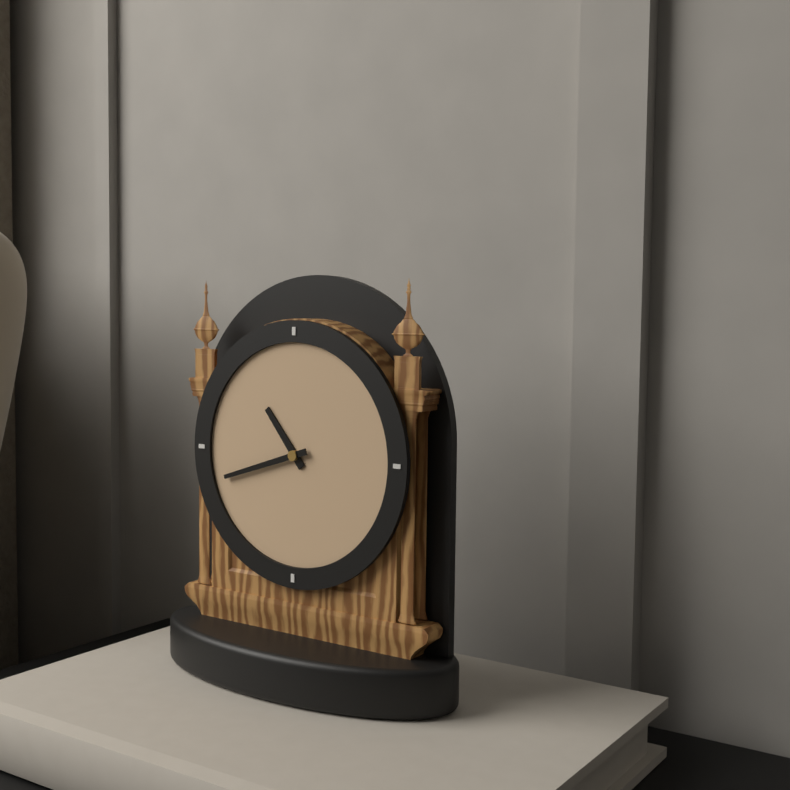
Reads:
{"hour": 10, "minute": 42}
